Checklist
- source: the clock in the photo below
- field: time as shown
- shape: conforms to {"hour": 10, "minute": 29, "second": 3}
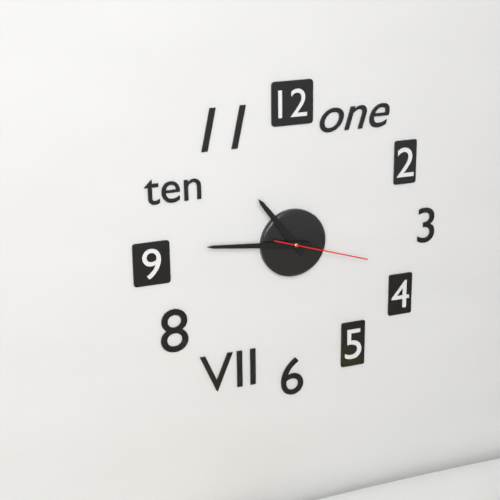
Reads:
{"hour": 10, "minute": 46, "second": 18}
